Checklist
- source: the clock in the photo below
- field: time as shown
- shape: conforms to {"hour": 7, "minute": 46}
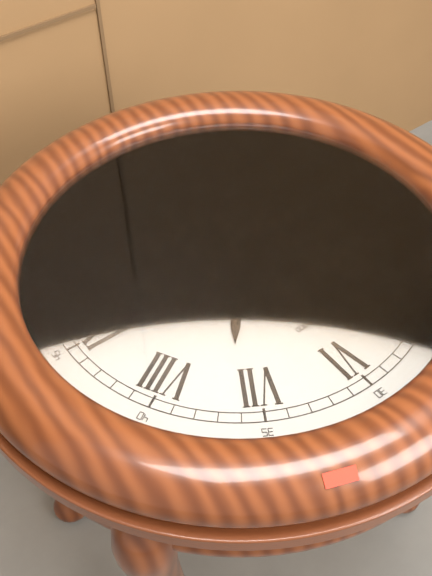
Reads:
{"hour": 7, "minute": 16}
